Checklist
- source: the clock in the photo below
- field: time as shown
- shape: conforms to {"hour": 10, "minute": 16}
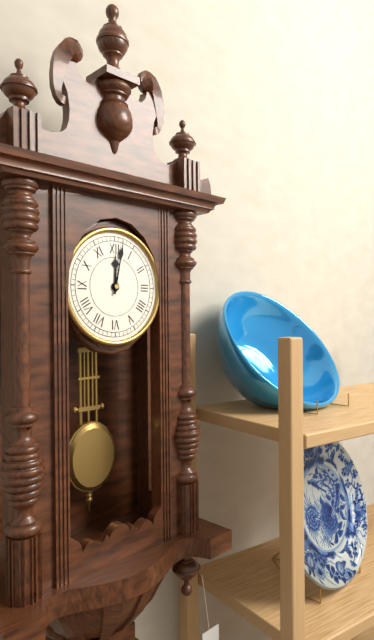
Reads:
{"hour": 12, "minute": 2}
